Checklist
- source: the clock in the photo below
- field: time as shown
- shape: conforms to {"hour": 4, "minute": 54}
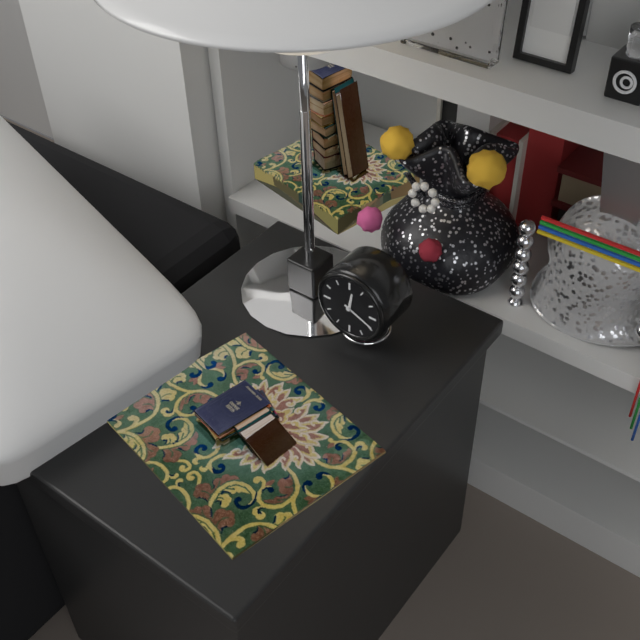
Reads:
{"hour": 12, "minute": 19}
